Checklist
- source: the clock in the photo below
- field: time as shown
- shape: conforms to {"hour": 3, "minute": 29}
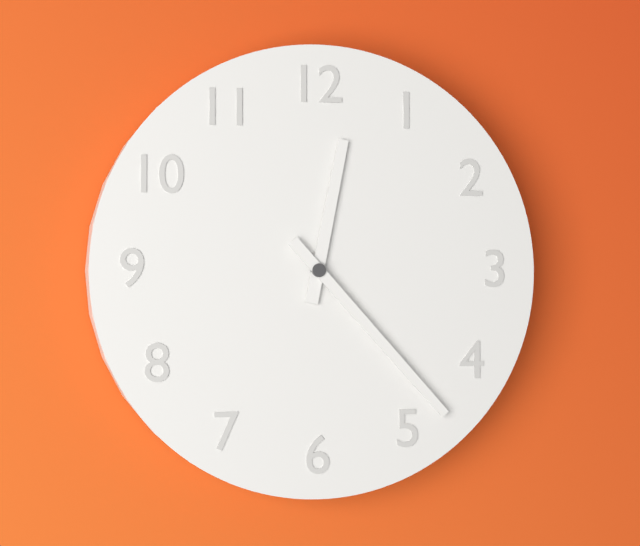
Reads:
{"hour": 12, "minute": 23}
